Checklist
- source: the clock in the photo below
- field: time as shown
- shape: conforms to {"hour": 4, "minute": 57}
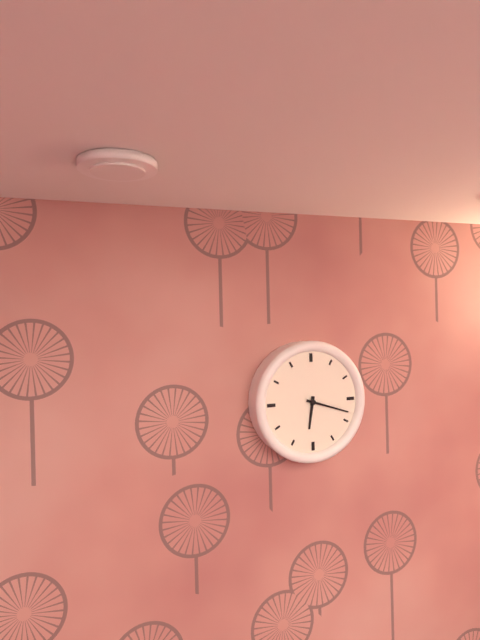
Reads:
{"hour": 6, "minute": 18}
